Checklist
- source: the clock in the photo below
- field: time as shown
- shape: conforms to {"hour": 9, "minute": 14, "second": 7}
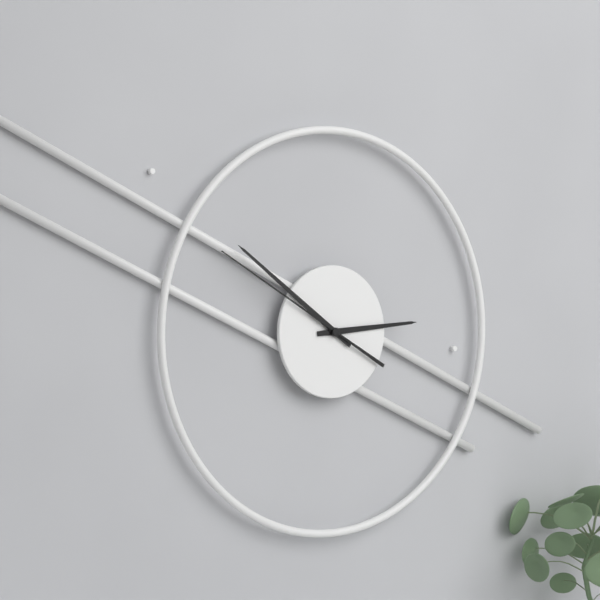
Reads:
{"hour": 2, "minute": 51, "second": 50}
